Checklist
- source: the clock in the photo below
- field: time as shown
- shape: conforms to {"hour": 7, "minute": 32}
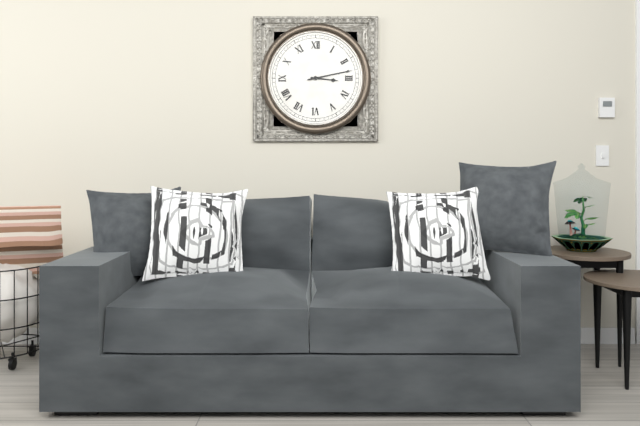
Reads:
{"hour": 3, "minute": 13}
